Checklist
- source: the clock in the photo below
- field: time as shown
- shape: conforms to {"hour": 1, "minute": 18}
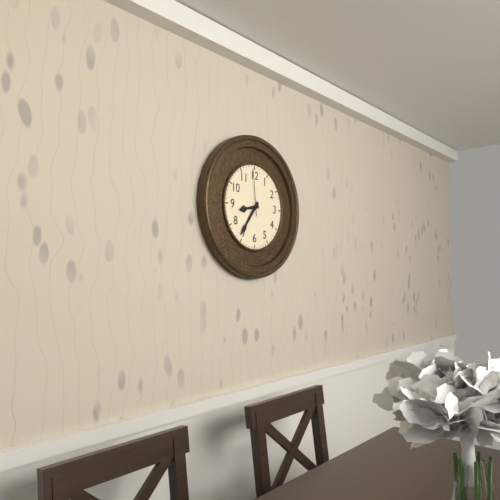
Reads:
{"hour": 8, "minute": 36}
